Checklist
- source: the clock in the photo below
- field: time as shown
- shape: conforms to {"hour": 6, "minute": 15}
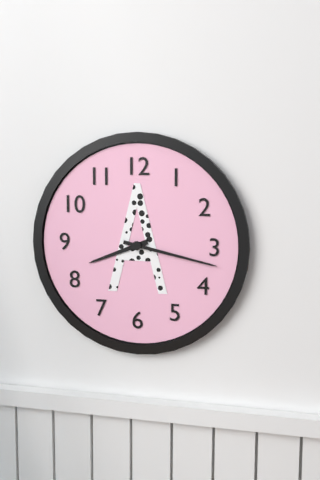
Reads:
{"hour": 8, "minute": 17}
